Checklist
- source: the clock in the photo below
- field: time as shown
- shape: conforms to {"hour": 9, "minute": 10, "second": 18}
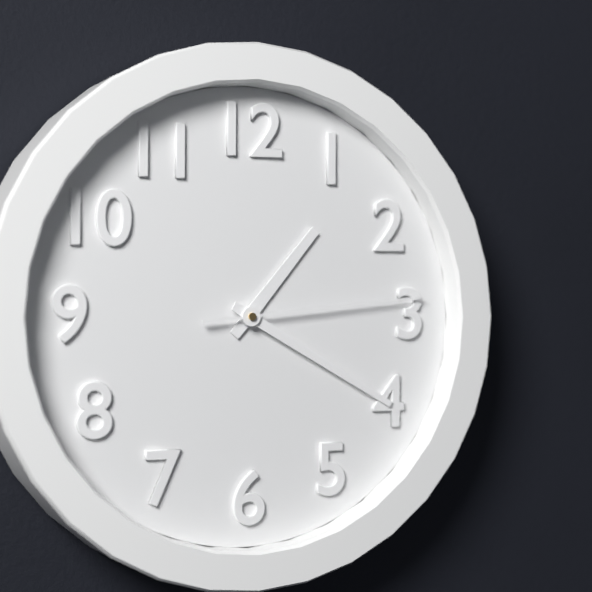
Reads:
{"hour": 1, "minute": 20, "second": 14}
